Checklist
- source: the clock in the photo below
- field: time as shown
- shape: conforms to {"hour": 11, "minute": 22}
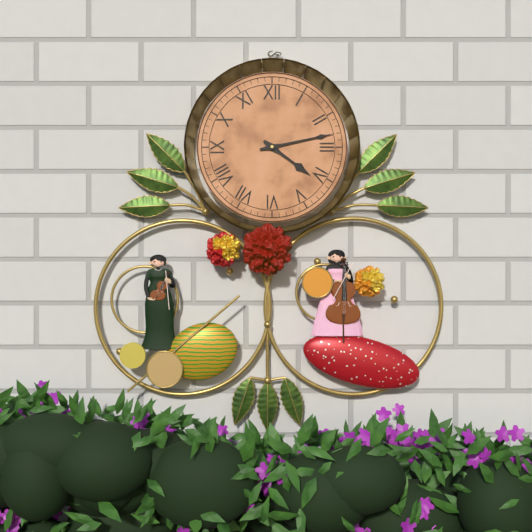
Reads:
{"hour": 4, "minute": 13}
